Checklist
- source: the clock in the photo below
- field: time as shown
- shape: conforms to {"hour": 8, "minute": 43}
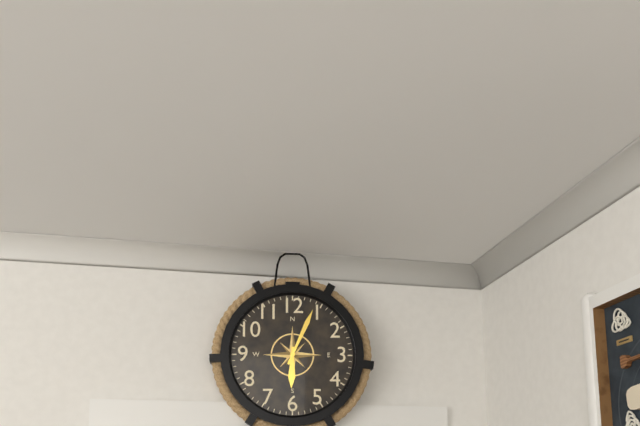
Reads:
{"hour": 6, "minute": 4}
